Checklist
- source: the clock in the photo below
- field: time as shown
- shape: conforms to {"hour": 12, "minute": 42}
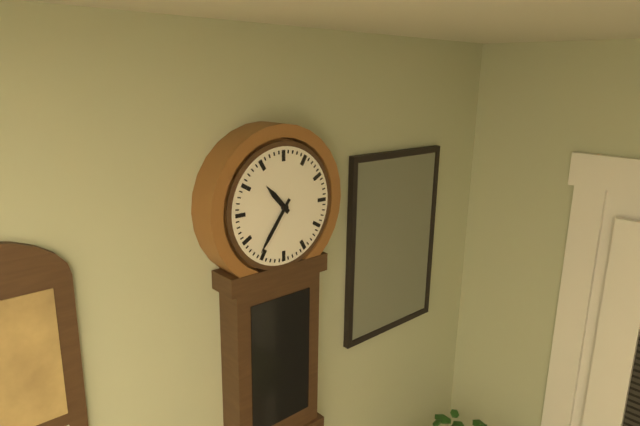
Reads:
{"hour": 10, "minute": 36}
